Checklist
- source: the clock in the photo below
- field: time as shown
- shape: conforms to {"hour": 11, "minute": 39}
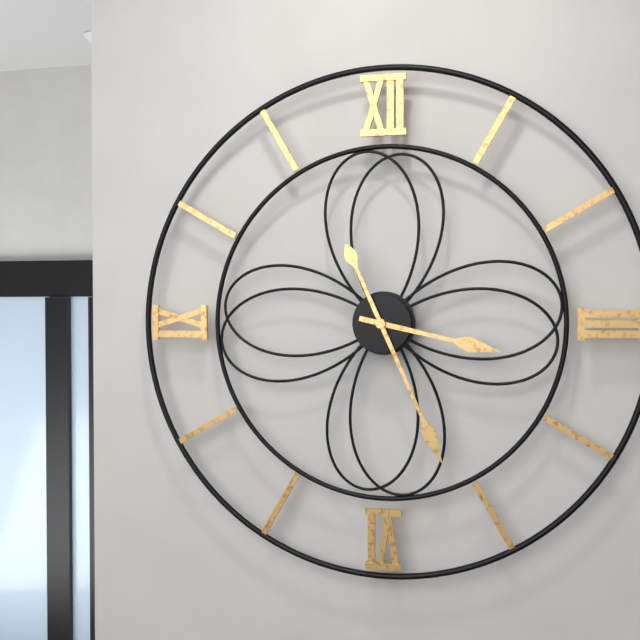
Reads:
{"hour": 3, "minute": 26}
